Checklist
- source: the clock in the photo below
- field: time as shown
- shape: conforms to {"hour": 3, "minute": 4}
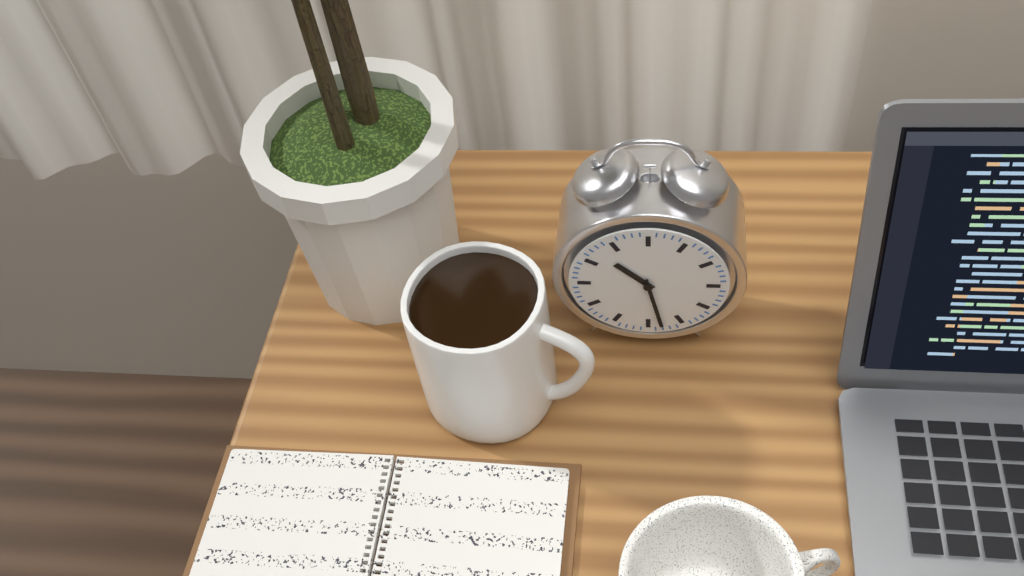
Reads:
{"hour": 10, "minute": 28}
